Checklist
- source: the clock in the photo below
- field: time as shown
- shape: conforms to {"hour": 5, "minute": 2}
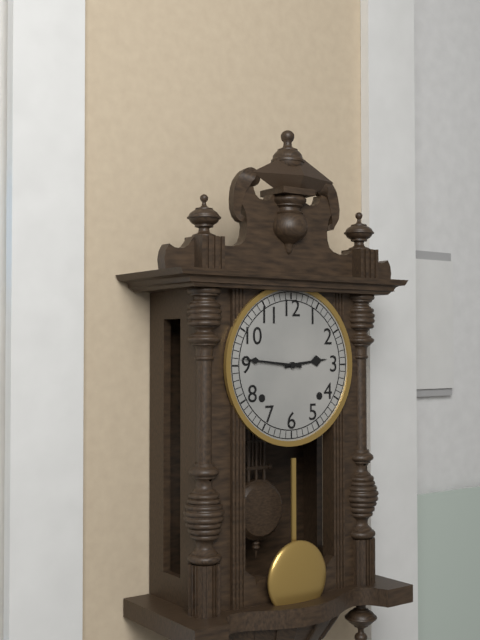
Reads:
{"hour": 2, "minute": 46}
